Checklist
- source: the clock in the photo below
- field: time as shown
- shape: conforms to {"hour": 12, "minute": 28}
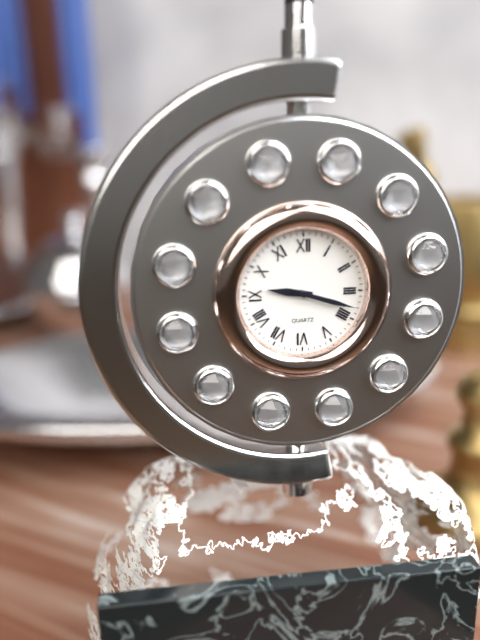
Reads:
{"hour": 9, "minute": 18}
